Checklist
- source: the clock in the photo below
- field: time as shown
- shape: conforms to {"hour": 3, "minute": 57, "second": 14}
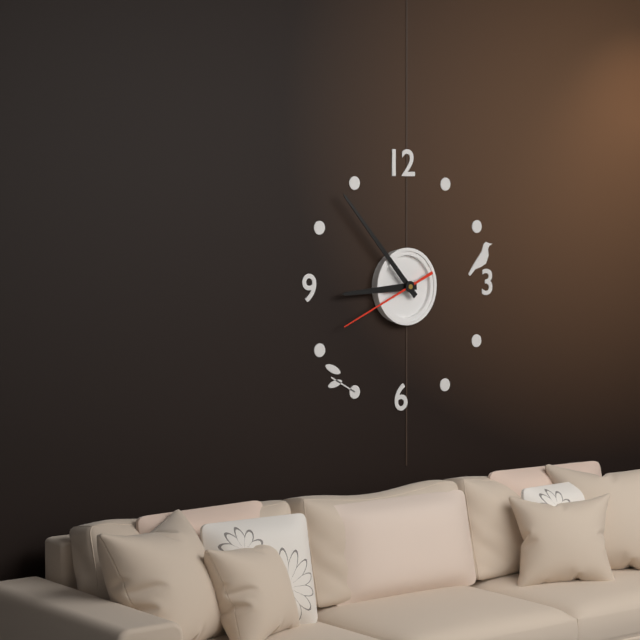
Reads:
{"hour": 8, "minute": 53, "second": 41}
